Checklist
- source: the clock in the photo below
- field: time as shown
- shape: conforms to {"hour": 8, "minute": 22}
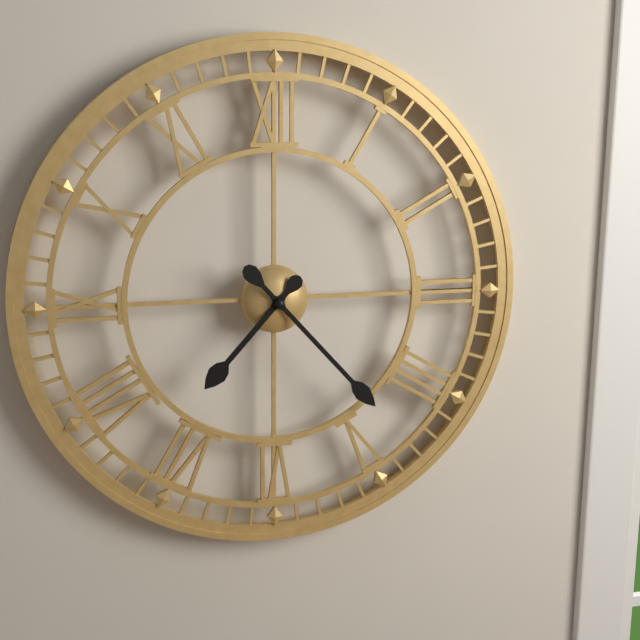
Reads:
{"hour": 7, "minute": 23}
